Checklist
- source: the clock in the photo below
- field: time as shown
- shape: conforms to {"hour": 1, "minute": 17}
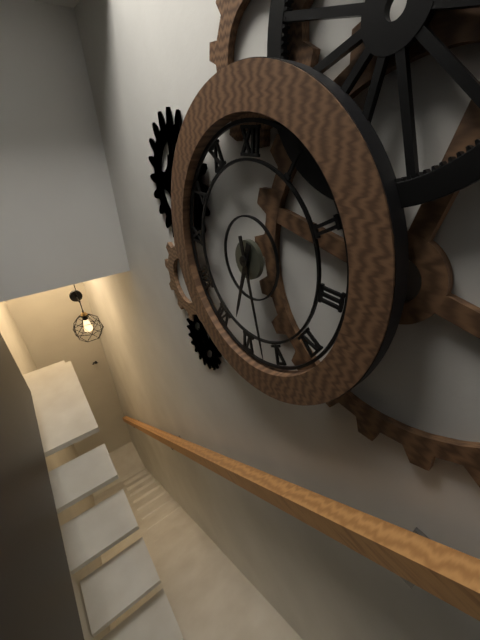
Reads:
{"hour": 6, "minute": 27}
